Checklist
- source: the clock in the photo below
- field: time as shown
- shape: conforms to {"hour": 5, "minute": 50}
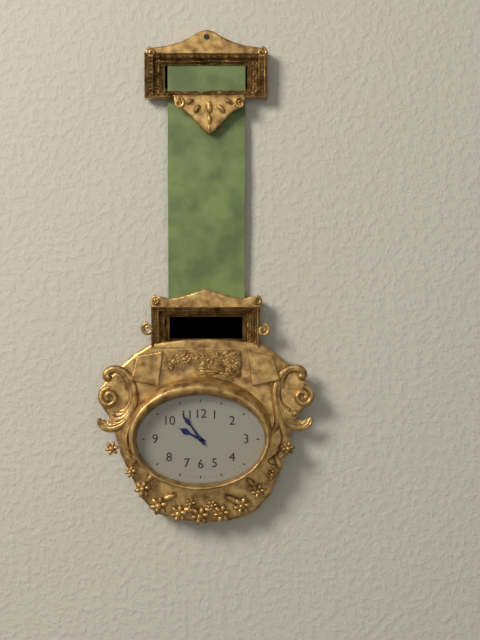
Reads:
{"hour": 9, "minute": 54}
